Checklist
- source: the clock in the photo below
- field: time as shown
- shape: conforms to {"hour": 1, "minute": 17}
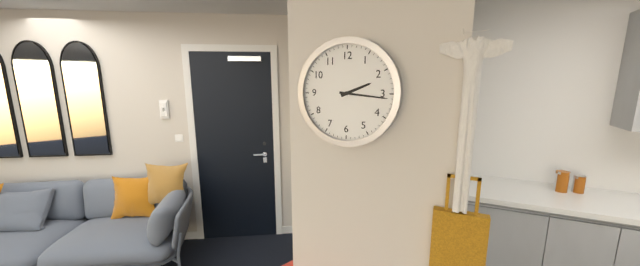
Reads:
{"hour": 2, "minute": 16}
